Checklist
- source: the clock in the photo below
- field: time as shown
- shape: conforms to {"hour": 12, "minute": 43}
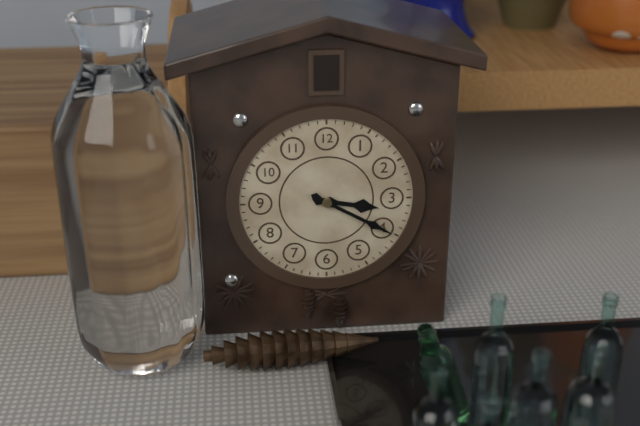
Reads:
{"hour": 3, "minute": 20}
